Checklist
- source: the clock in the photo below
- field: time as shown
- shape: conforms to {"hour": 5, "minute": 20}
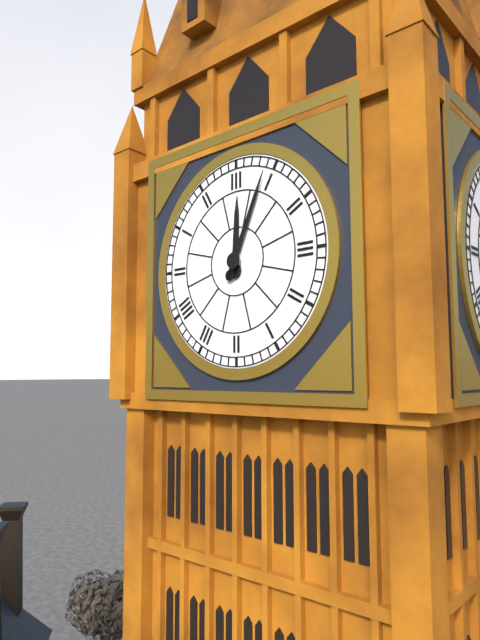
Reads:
{"hour": 12, "minute": 4}
